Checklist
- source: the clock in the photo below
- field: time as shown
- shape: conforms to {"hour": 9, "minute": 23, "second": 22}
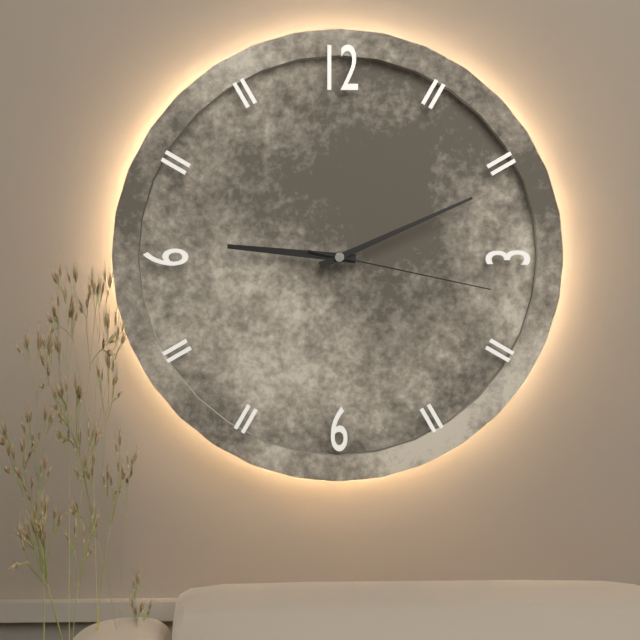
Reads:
{"hour": 9, "minute": 11, "second": 17}
